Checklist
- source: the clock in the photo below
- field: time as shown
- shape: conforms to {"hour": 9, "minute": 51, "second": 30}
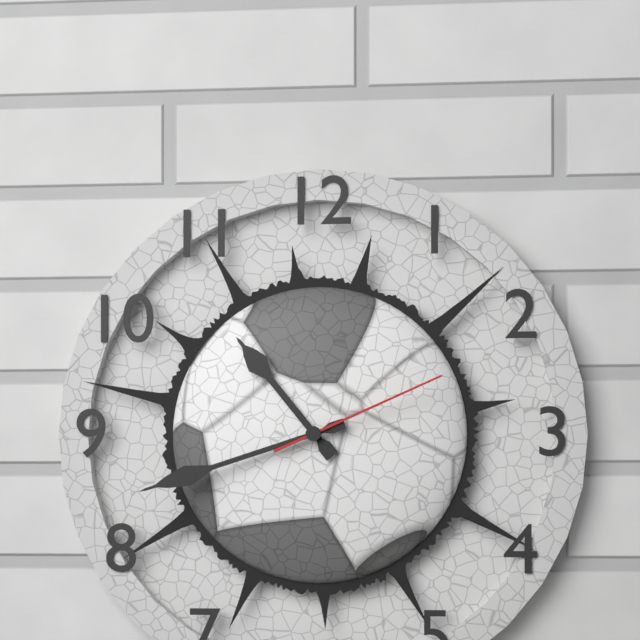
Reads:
{"hour": 10, "minute": 42, "second": 11}
